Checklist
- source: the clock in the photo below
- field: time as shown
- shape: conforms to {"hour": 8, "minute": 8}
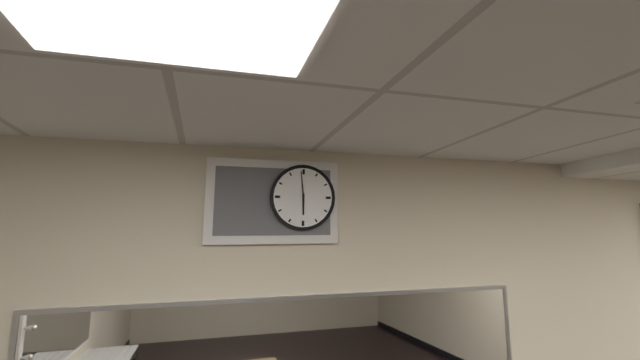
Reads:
{"hour": 5, "minute": 59}
